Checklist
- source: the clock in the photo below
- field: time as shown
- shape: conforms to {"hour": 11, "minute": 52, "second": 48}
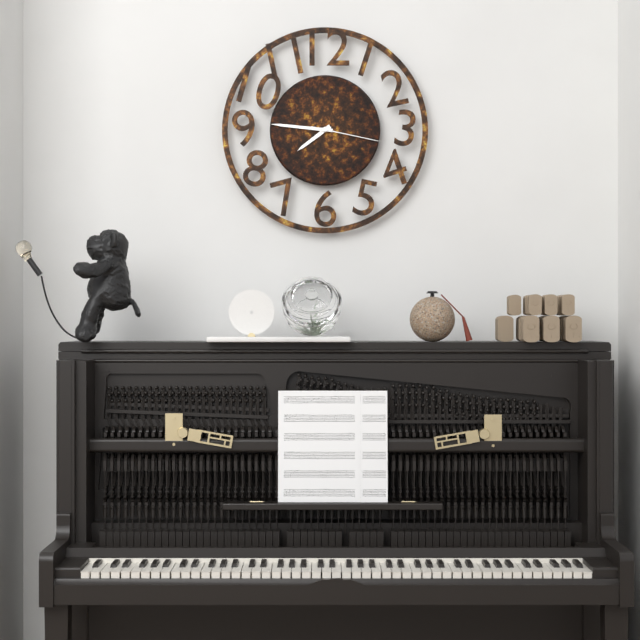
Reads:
{"hour": 7, "minute": 46, "second": 17}
